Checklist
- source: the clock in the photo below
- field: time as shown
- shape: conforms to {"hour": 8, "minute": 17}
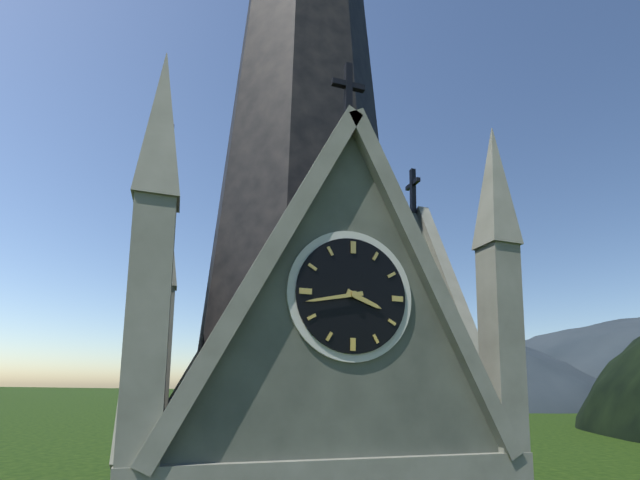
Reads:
{"hour": 3, "minute": 43}
